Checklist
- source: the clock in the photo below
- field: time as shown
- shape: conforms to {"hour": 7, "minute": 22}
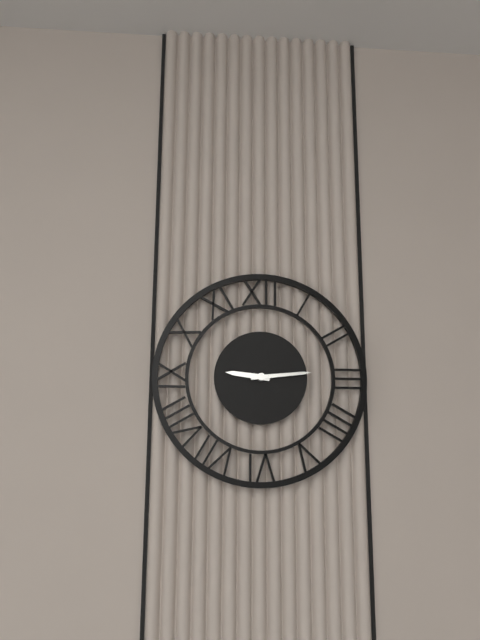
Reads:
{"hour": 9, "minute": 14}
